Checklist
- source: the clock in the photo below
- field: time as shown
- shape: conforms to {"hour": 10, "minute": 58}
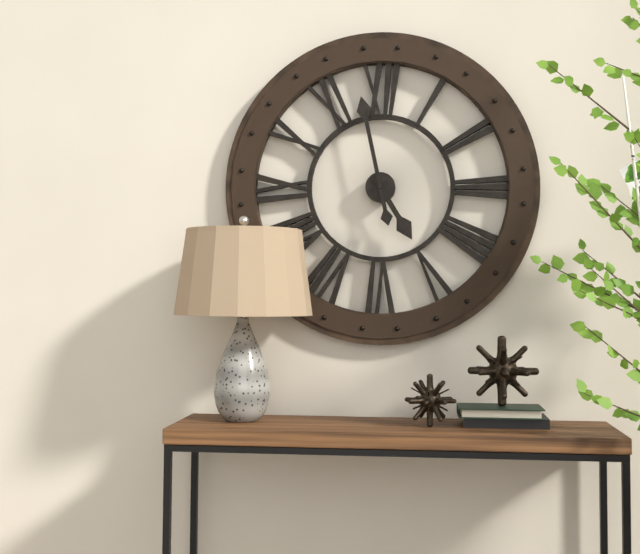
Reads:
{"hour": 4, "minute": 58}
